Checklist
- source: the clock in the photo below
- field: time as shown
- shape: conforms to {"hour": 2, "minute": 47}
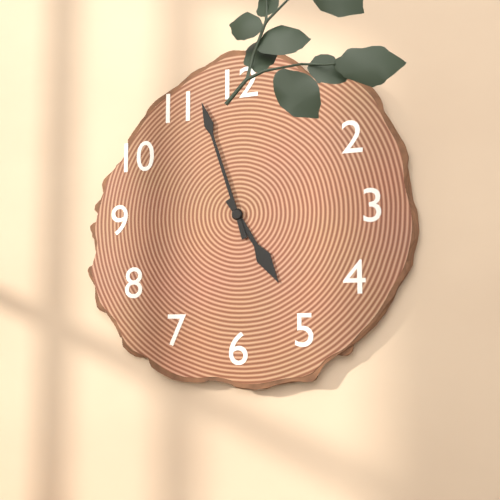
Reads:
{"hour": 4, "minute": 57}
